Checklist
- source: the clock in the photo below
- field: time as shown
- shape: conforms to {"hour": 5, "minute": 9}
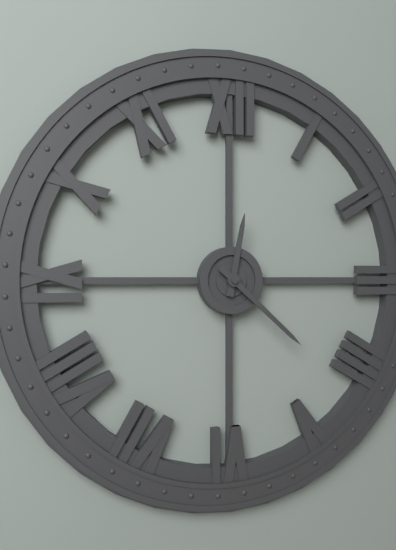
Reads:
{"hour": 12, "minute": 22}
